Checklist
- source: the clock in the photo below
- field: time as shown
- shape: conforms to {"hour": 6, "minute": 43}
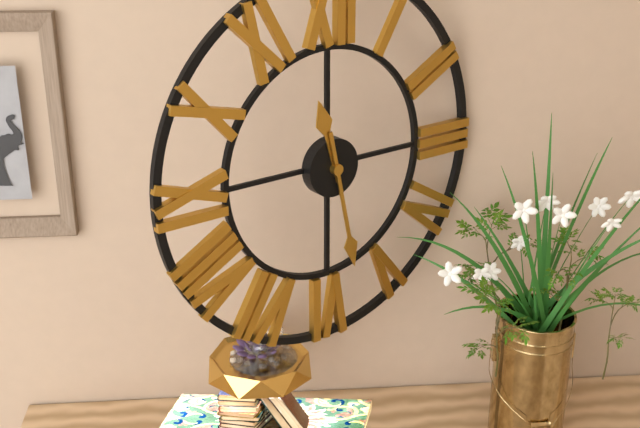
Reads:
{"hour": 11, "minute": 28}
